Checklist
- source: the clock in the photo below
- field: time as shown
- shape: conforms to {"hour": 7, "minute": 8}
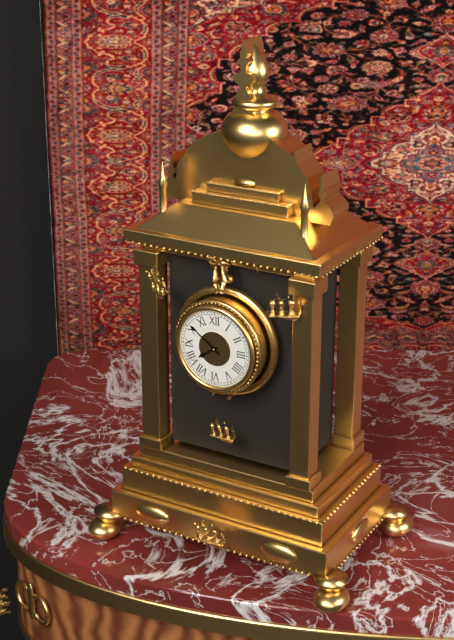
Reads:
{"hour": 7, "minute": 51}
